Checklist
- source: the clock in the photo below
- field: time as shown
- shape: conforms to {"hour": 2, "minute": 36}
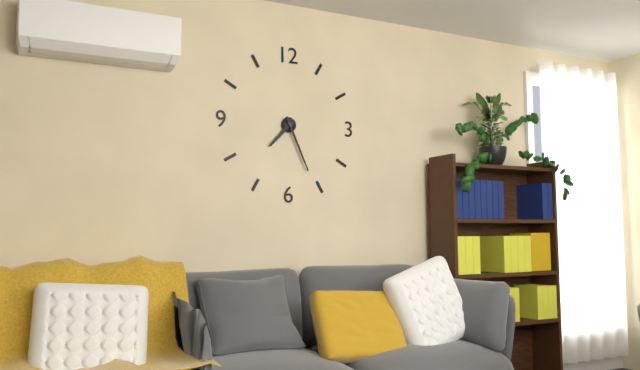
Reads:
{"hour": 7, "minute": 26}
